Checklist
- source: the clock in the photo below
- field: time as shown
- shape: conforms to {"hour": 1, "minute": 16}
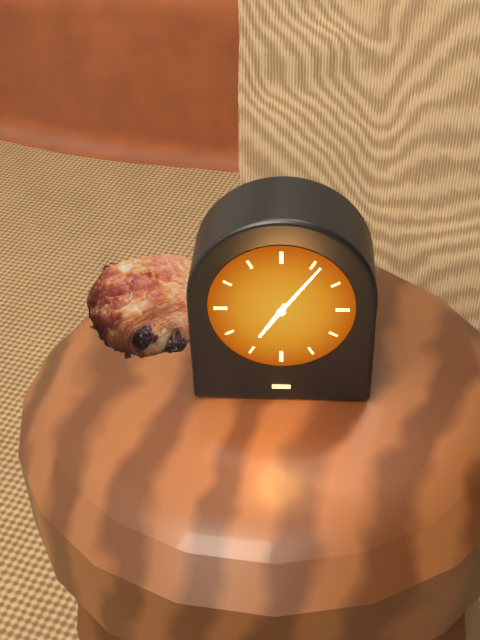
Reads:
{"hour": 7, "minute": 6}
